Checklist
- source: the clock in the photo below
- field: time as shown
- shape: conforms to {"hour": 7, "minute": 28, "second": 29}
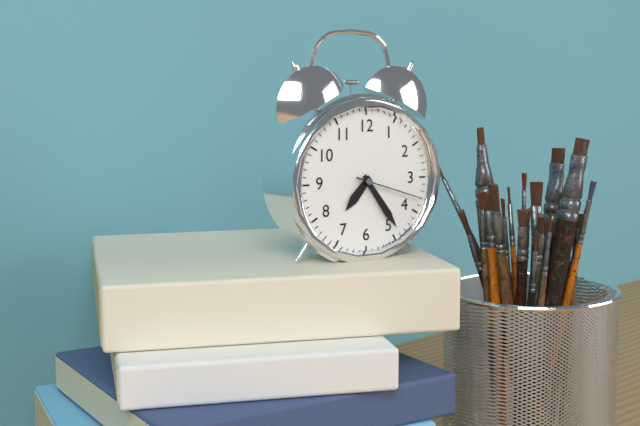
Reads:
{"hour": 7, "minute": 24, "second": 18}
